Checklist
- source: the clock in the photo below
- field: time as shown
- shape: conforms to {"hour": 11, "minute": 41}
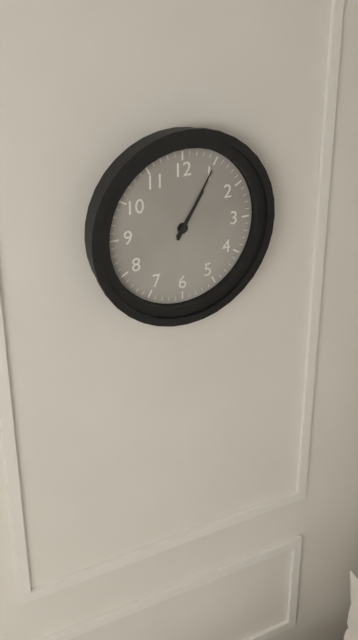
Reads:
{"hour": 1, "minute": 5}
